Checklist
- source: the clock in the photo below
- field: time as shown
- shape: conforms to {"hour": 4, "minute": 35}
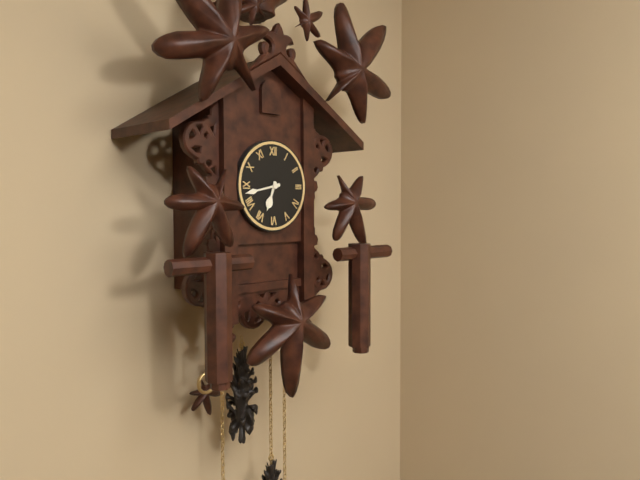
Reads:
{"hour": 6, "minute": 43}
